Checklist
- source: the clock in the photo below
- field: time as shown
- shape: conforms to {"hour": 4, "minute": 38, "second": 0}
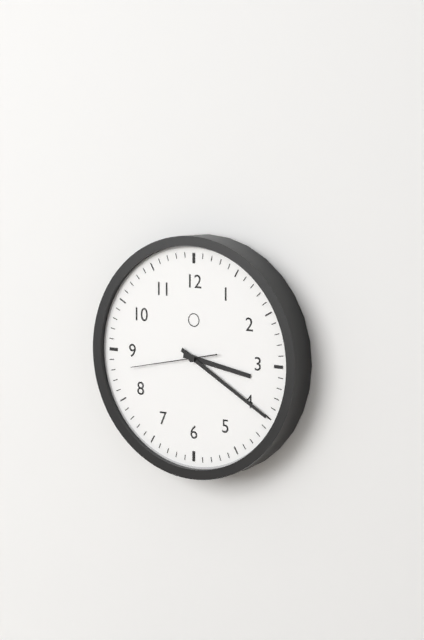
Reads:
{"hour": 3, "minute": 20, "second": 43}
